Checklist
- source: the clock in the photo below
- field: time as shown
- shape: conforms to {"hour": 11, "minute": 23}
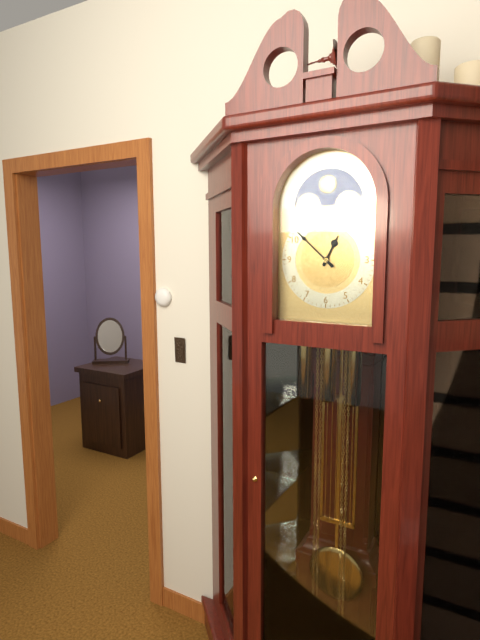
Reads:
{"hour": 12, "minute": 52}
